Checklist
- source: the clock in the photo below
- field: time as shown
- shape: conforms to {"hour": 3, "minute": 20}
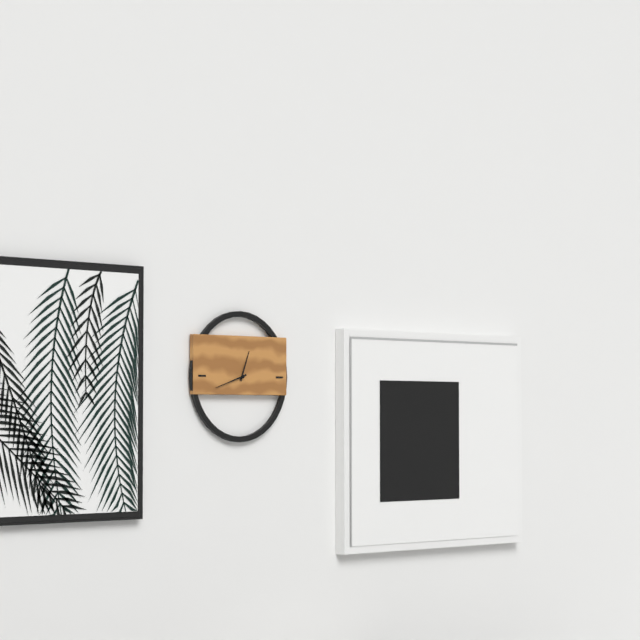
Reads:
{"hour": 12, "minute": 42}
